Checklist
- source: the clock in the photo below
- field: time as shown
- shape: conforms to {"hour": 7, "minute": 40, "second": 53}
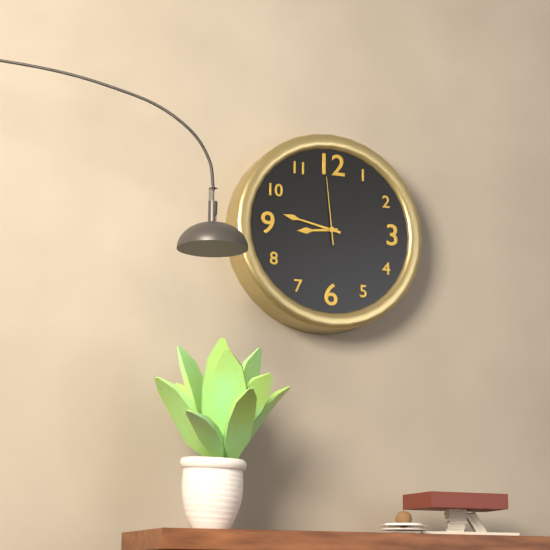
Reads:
{"hour": 8, "minute": 47, "second": 59}
